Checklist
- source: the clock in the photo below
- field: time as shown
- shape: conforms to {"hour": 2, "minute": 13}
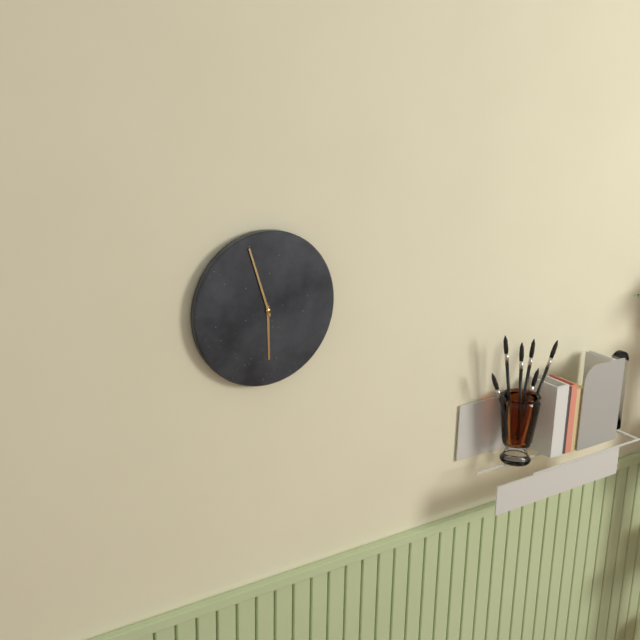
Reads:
{"hour": 5, "minute": 57}
